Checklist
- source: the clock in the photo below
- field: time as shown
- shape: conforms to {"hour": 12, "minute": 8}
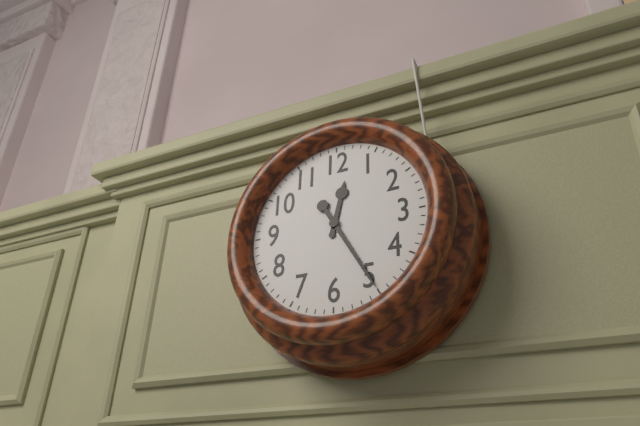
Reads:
{"hour": 12, "minute": 25}
